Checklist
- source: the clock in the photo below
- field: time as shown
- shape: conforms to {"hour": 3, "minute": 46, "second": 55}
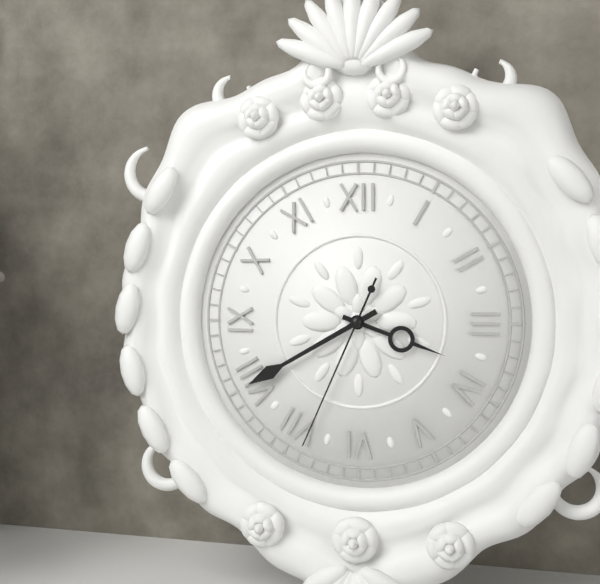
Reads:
{"hour": 3, "minute": 40, "second": 34}
